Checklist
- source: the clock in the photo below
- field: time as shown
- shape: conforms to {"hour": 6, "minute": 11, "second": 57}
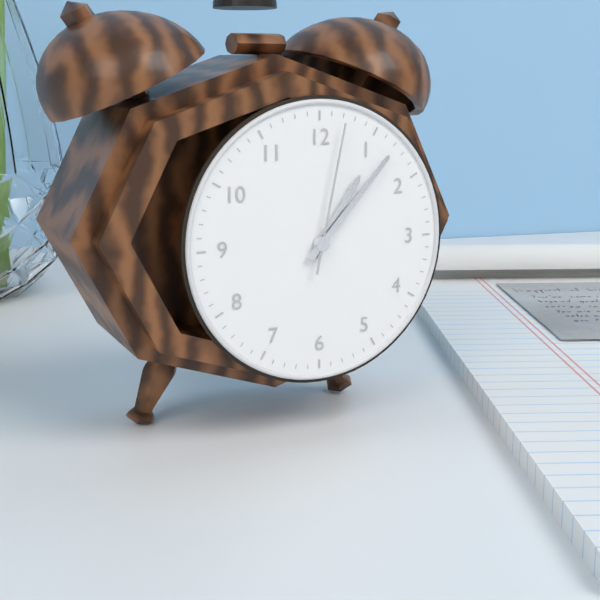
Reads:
{"hour": 1, "minute": 7, "second": 2}
